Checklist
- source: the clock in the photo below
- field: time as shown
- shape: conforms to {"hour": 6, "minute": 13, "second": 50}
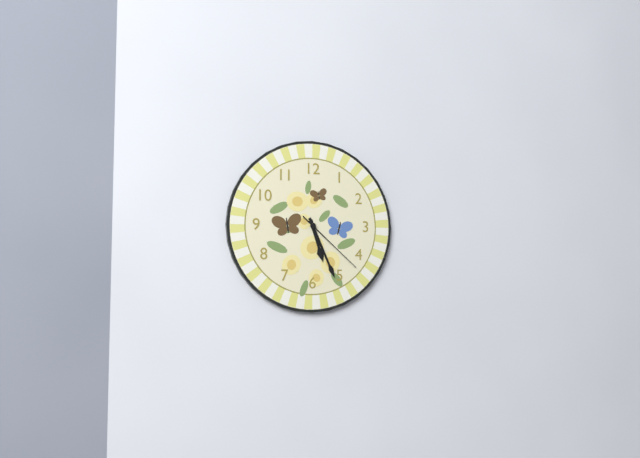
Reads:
{"hour": 5, "minute": 26, "second": 22}
